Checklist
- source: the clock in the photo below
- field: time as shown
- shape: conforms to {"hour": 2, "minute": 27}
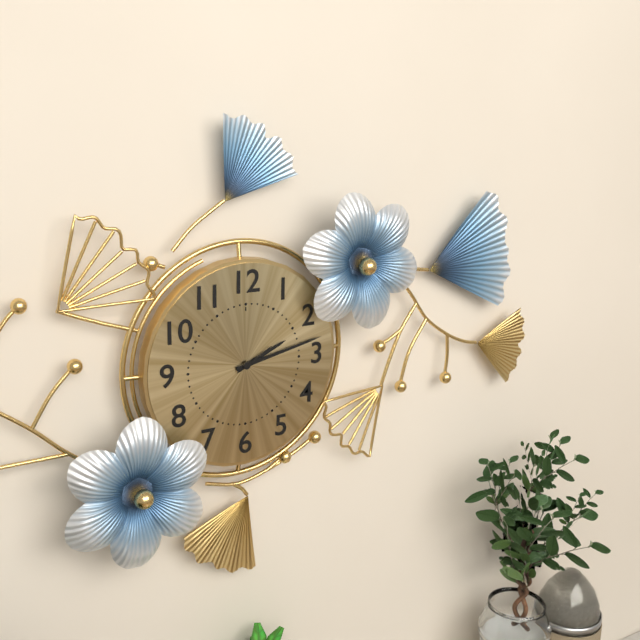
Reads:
{"hour": 2, "minute": 13}
